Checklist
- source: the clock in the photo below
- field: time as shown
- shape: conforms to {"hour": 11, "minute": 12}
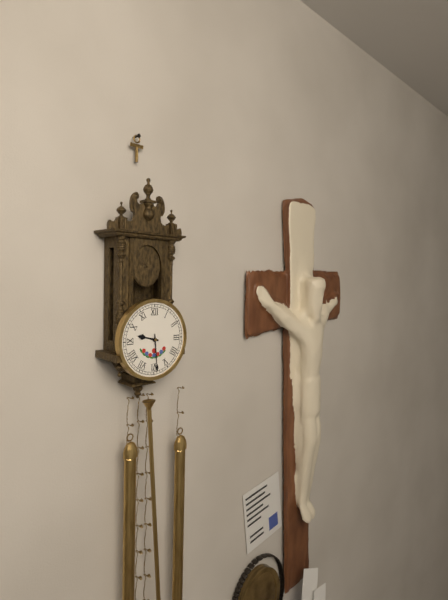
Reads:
{"hour": 9, "minute": 29}
